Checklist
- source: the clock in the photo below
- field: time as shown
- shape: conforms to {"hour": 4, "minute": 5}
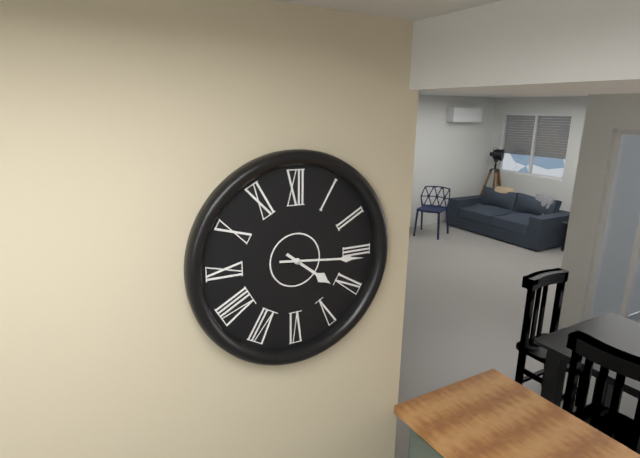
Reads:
{"hour": 4, "minute": 16}
